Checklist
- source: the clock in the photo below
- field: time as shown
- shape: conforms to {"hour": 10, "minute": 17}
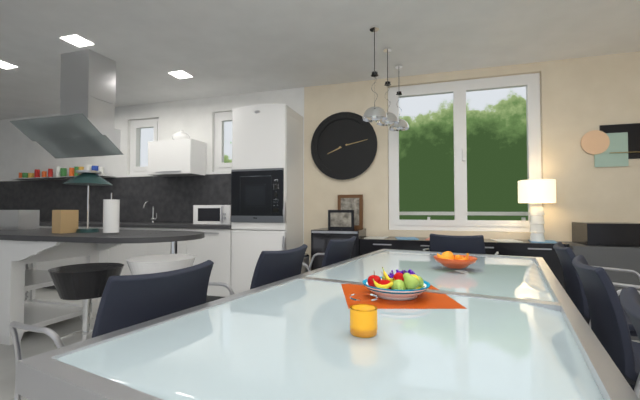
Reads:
{"hour": 8, "minute": 13}
